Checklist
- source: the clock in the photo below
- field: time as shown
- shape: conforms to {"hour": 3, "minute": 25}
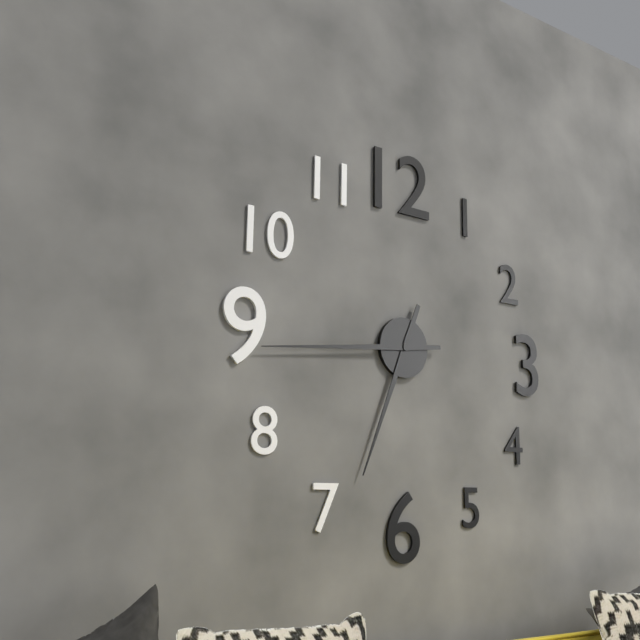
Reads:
{"hour": 6, "minute": 44}
